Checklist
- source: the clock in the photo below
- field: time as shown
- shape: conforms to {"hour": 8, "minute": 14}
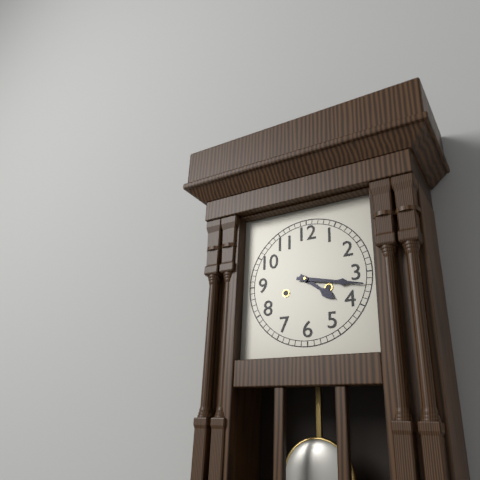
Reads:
{"hour": 4, "minute": 17}
